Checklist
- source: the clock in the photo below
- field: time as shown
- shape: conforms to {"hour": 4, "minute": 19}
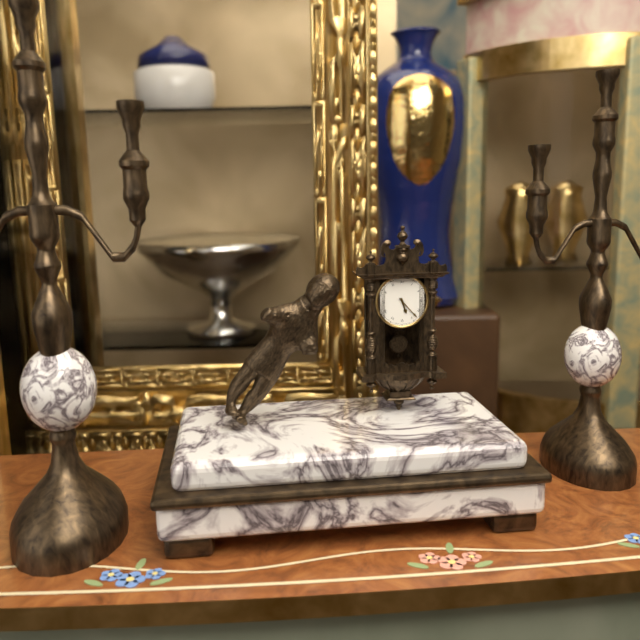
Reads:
{"hour": 5, "minute": 23}
